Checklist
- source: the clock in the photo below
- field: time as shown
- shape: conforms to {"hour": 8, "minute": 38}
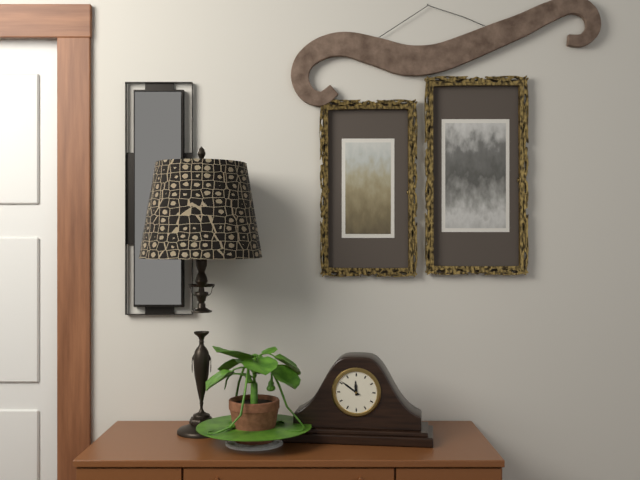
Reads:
{"hour": 11, "minute": 51}
